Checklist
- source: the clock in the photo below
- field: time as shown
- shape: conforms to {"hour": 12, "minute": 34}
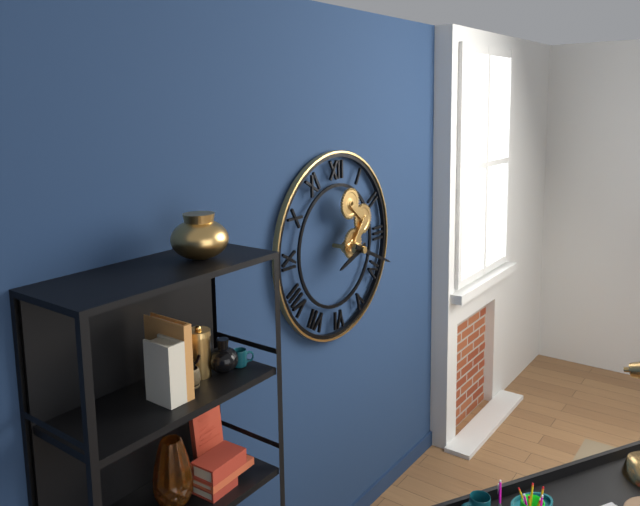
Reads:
{"hour": 8, "minute": 19}
